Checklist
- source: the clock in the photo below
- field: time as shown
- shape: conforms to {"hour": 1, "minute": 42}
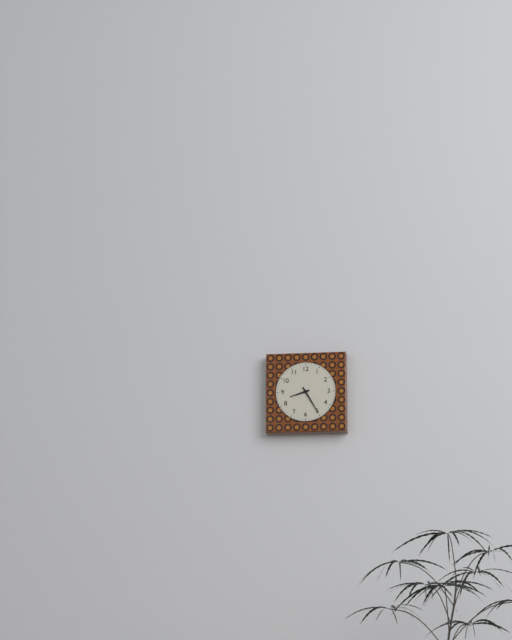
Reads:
{"hour": 8, "minute": 25}
